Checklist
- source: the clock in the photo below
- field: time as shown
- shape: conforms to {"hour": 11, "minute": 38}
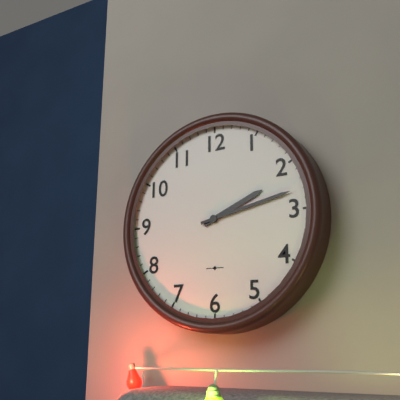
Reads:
{"hour": 2, "minute": 13}
